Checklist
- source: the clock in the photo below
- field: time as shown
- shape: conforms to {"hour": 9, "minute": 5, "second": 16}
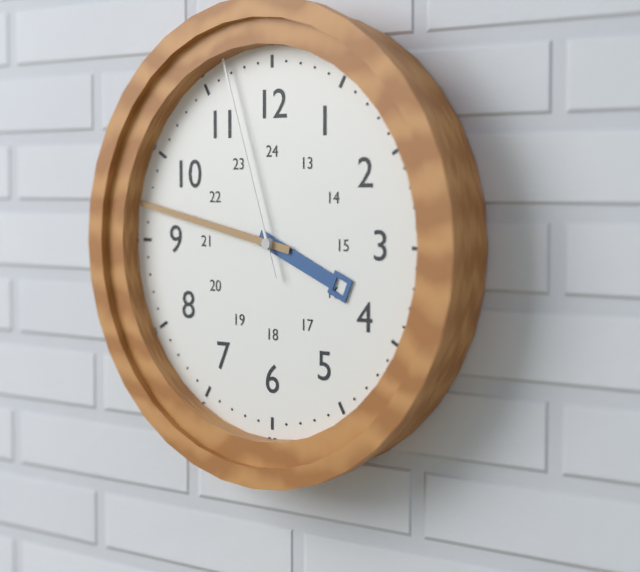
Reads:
{"hour": 3, "minute": 47, "second": 57}
